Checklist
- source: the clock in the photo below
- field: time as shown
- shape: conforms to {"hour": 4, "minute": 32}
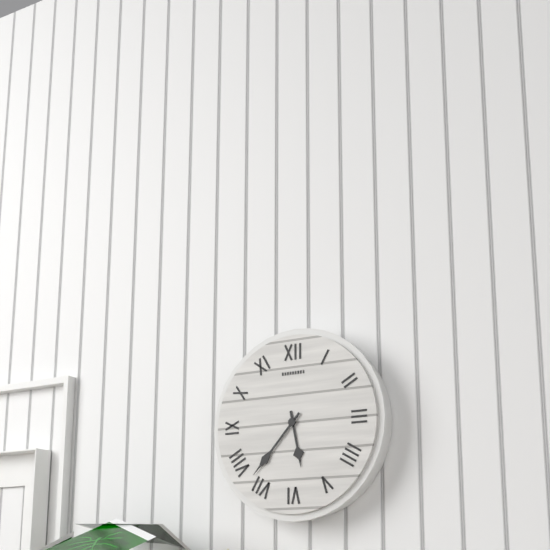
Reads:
{"hour": 5, "minute": 37}
